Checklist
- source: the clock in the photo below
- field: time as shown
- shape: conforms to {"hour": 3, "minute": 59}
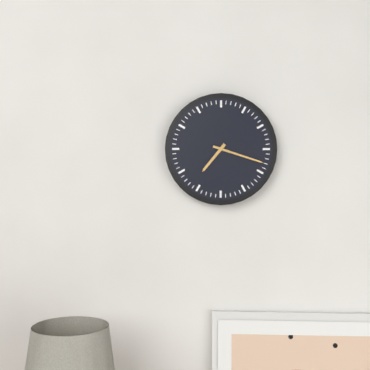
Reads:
{"hour": 7, "minute": 18}
